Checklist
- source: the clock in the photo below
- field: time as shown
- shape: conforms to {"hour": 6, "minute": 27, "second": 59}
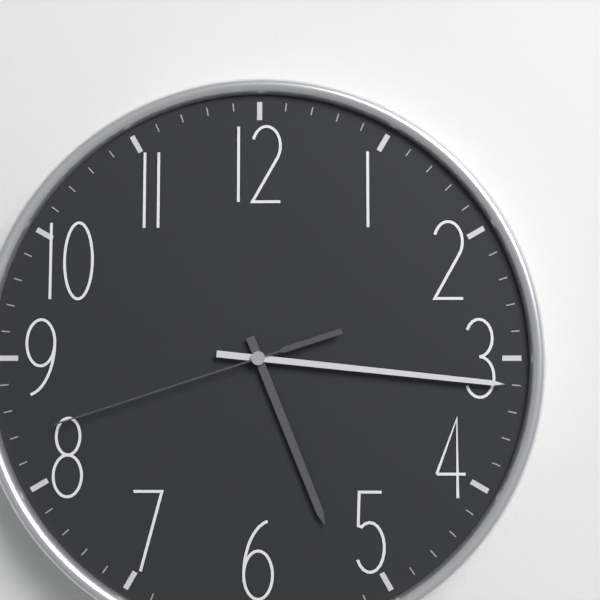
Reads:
{"hour": 5, "minute": 16, "second": 42}
